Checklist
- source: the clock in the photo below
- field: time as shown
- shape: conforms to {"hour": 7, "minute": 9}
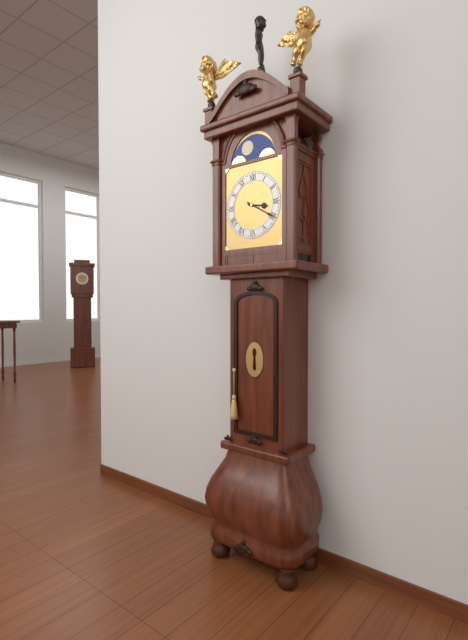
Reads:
{"hour": 3, "minute": 20}
